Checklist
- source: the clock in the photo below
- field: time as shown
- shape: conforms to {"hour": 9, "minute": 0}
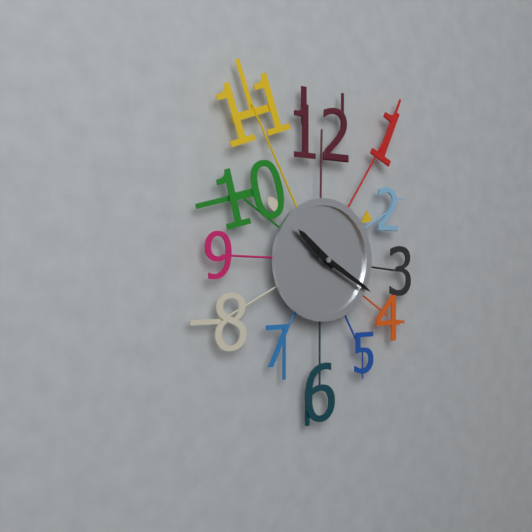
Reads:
{"hour": 10, "minute": 20}
